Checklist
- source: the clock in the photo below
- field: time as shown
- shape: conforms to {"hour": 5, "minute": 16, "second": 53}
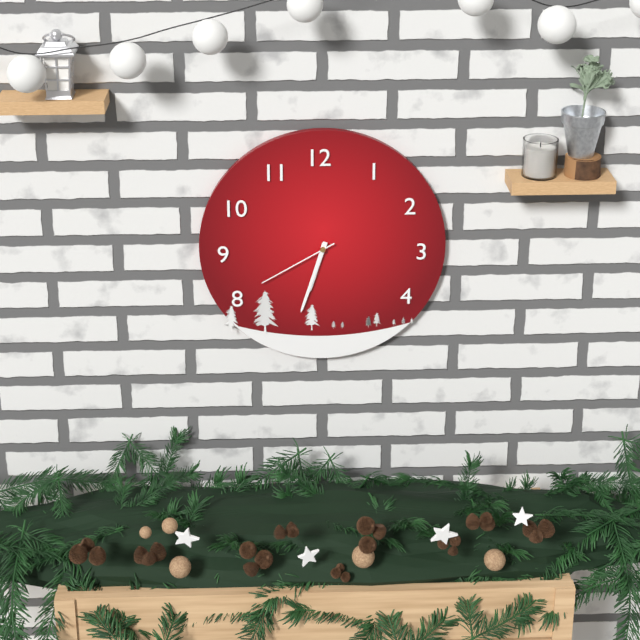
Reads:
{"hour": 6, "minute": 33, "second": 40}
